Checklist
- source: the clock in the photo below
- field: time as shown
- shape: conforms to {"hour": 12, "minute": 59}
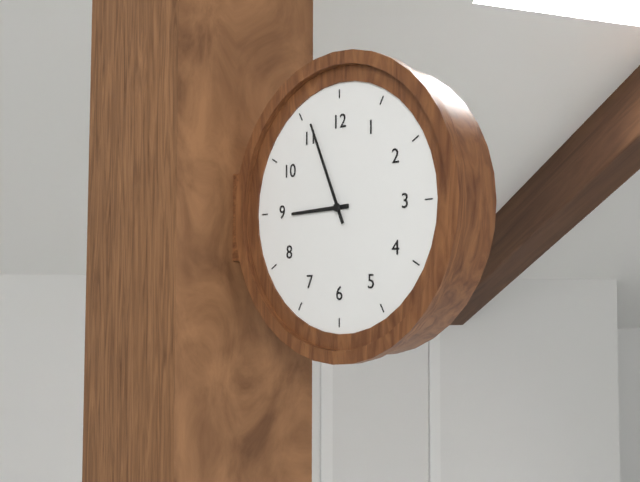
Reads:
{"hour": 8, "minute": 56}
